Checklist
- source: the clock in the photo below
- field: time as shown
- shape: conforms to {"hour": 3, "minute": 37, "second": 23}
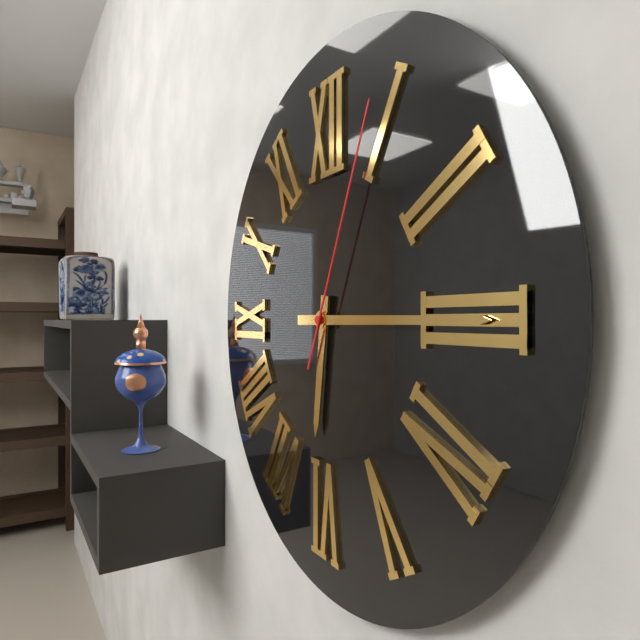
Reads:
{"hour": 6, "minute": 15, "second": 4}
